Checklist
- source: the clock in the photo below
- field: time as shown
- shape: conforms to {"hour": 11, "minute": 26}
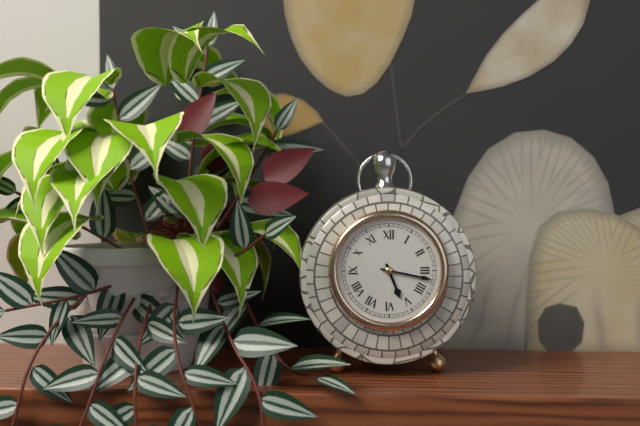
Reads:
{"hour": 5, "minute": 17}
